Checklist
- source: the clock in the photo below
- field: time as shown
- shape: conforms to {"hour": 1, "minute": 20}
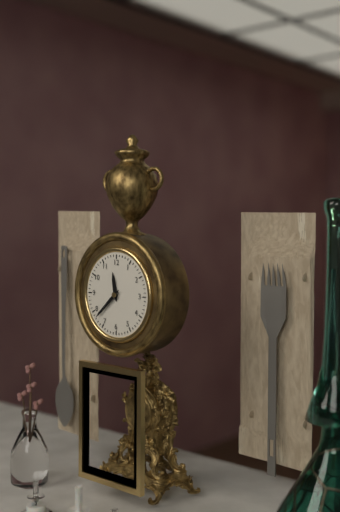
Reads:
{"hour": 11, "minute": 38}
